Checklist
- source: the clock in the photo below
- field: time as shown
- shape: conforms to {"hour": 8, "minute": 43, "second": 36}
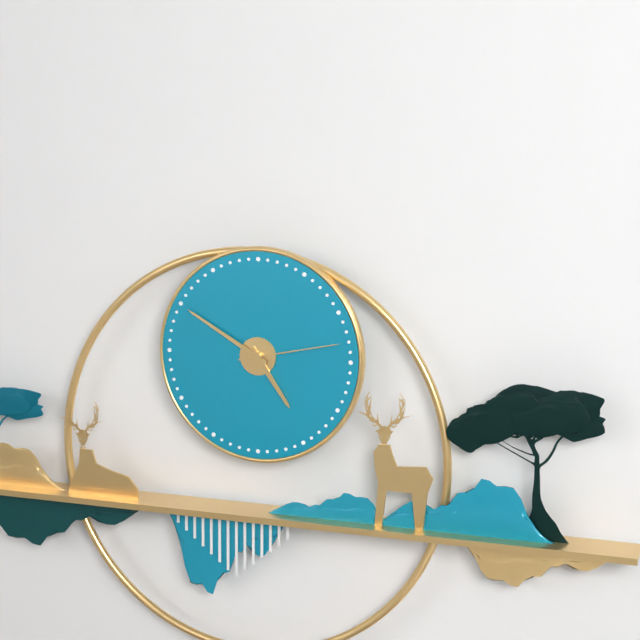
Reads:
{"hour": 4, "minute": 50, "second": 13}
